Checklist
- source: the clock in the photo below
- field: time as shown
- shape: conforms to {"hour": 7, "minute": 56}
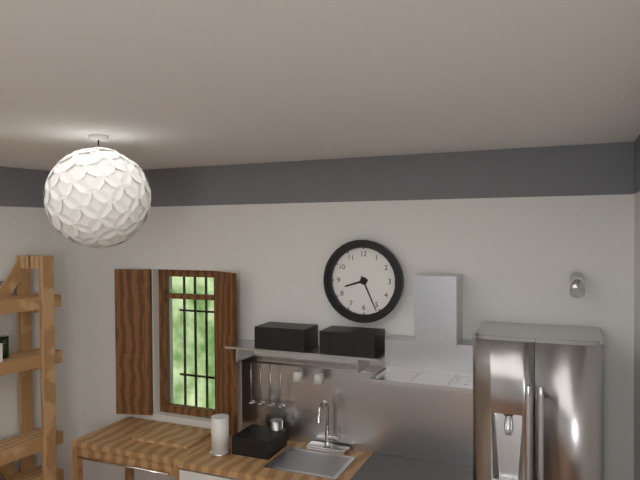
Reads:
{"hour": 8, "minute": 26}
